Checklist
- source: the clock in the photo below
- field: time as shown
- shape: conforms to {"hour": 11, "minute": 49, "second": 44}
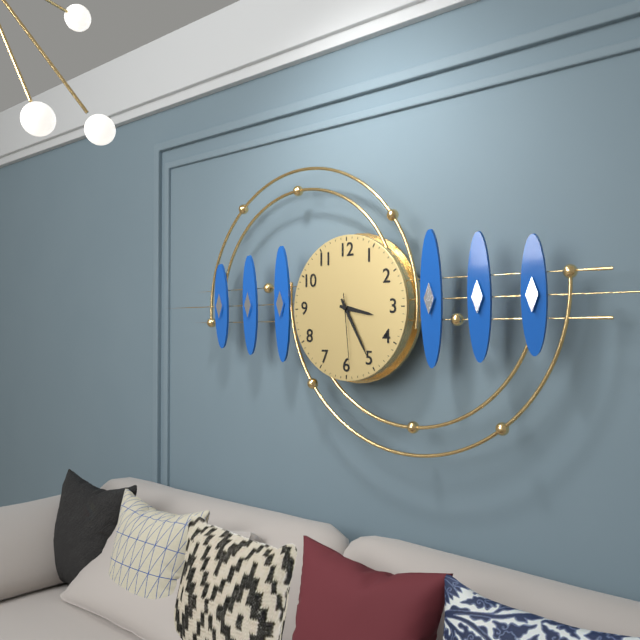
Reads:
{"hour": 3, "minute": 25, "second": 29}
